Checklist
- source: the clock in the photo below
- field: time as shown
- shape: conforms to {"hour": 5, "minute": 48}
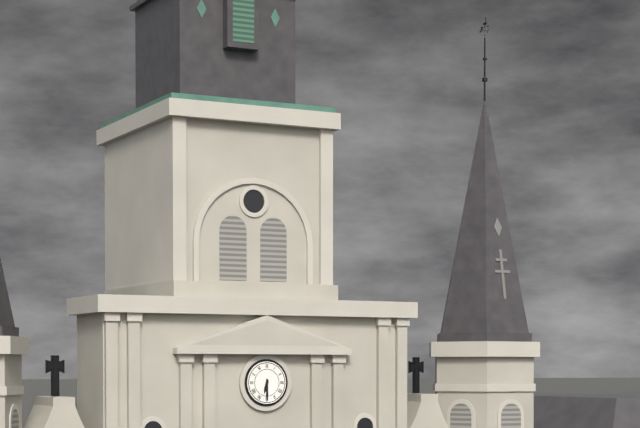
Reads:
{"hour": 6, "minute": 30}
